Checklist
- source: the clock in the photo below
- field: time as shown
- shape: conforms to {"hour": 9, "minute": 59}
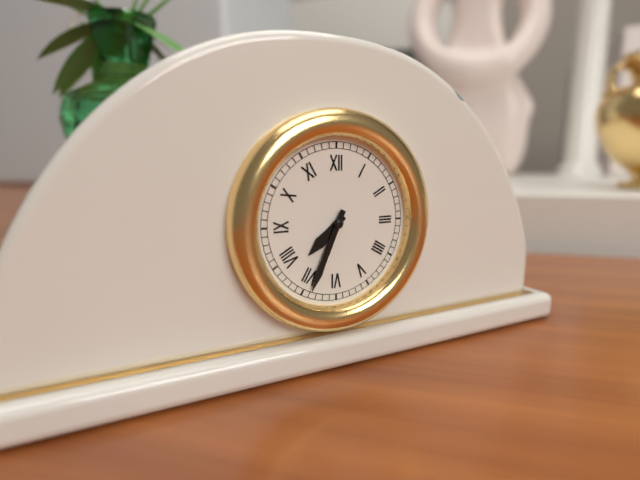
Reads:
{"hour": 7, "minute": 34}
